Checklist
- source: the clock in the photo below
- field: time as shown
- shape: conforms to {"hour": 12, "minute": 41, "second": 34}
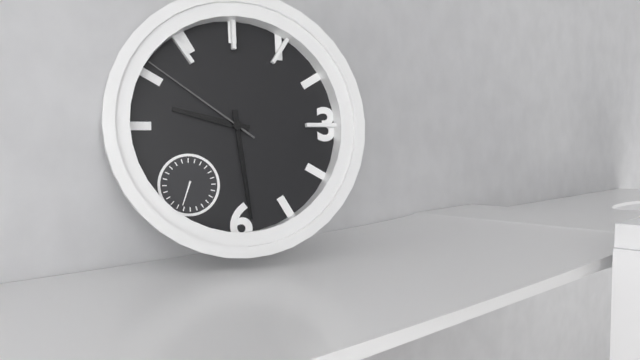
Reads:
{"hour": 9, "minute": 29, "second": 51}
